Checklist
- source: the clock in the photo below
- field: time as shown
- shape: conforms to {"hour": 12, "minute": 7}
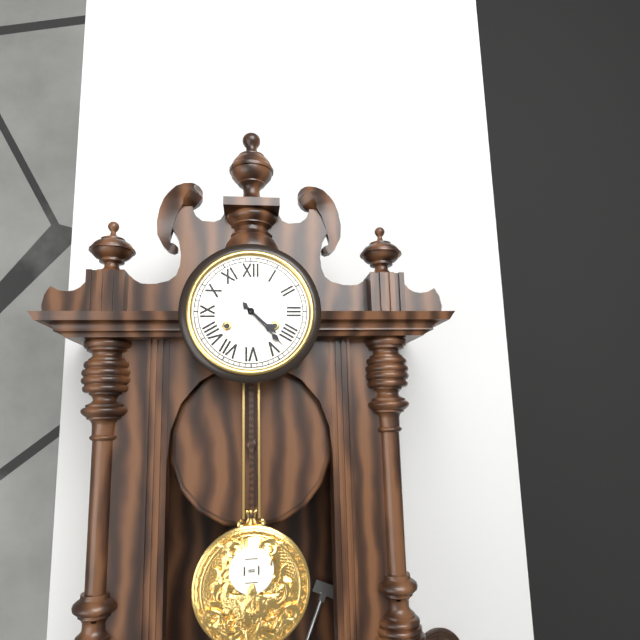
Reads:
{"hour": 4, "minute": 23}
